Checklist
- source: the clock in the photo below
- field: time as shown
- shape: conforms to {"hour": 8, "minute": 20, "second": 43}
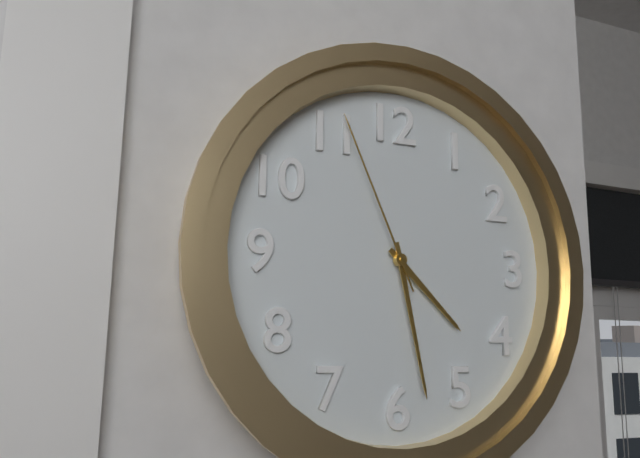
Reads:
{"hour": 4, "minute": 28, "second": 56}
